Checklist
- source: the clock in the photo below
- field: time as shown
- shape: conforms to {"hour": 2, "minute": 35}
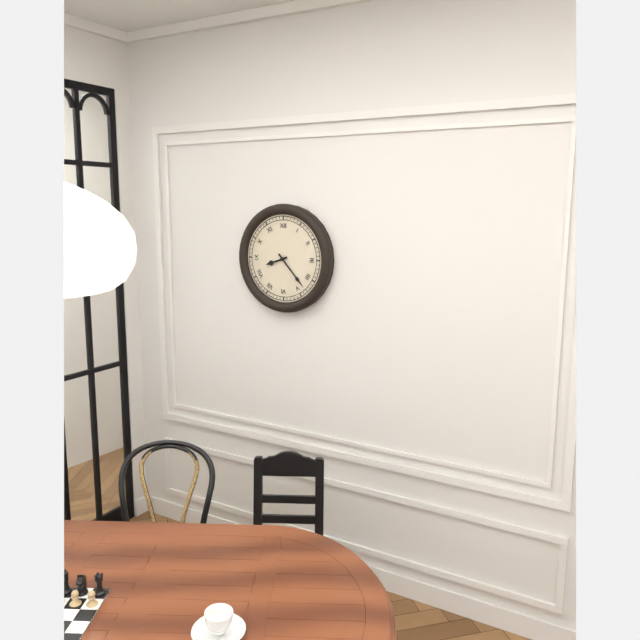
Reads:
{"hour": 8, "minute": 23}
